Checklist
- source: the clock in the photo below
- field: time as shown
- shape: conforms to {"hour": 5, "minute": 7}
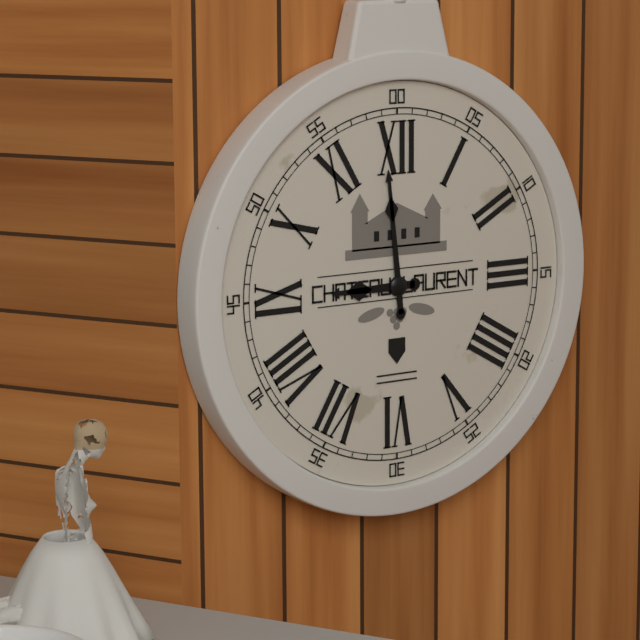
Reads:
{"hour": 8, "minute": 59}
